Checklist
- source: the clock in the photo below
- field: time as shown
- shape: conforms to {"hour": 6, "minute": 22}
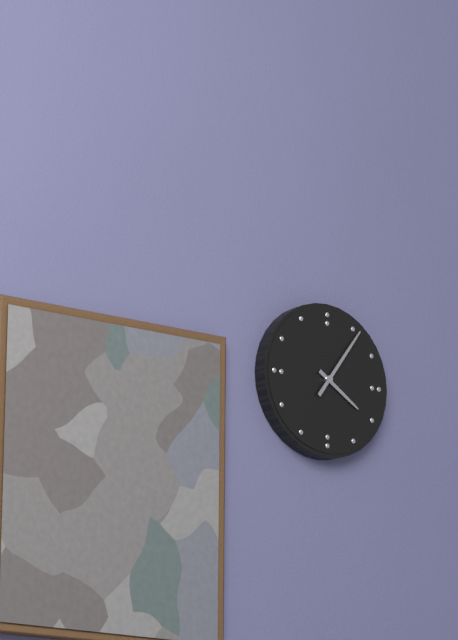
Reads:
{"hour": 4, "minute": 6}
